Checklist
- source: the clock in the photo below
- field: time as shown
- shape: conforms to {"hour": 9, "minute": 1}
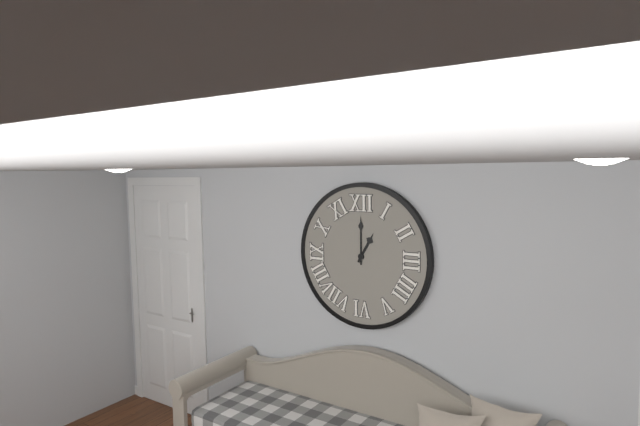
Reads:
{"hour": 1, "minute": 0}
